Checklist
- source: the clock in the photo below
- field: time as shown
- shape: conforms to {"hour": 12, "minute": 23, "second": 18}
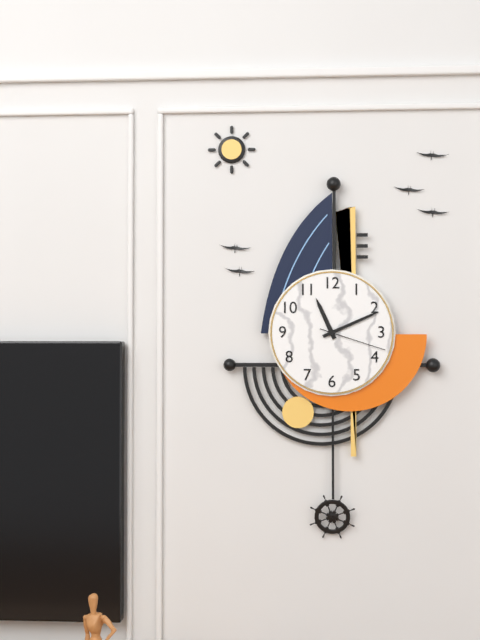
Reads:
{"hour": 11, "minute": 11, "second": 18}
